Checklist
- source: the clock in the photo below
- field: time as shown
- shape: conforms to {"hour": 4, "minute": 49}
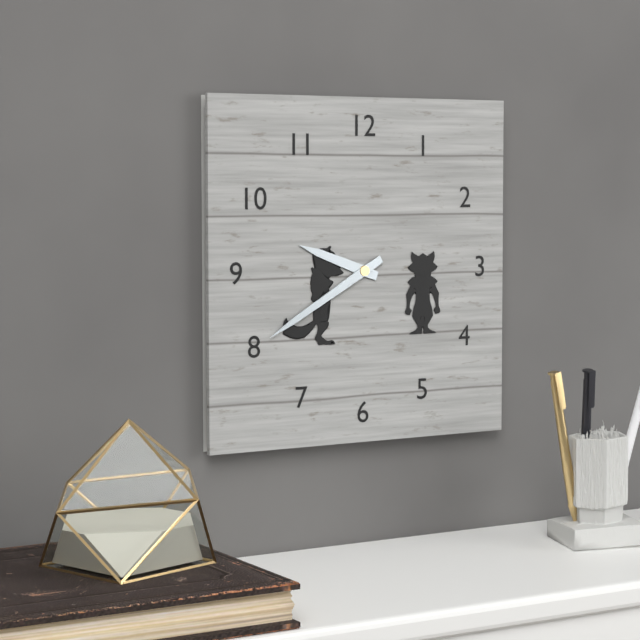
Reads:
{"hour": 9, "minute": 40}
